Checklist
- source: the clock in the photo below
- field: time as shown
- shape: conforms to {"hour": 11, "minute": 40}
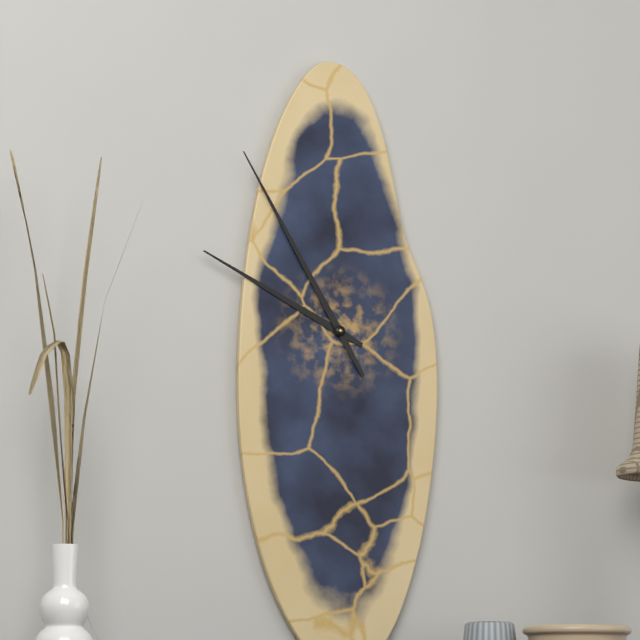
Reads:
{"hour": 9, "minute": 55}
